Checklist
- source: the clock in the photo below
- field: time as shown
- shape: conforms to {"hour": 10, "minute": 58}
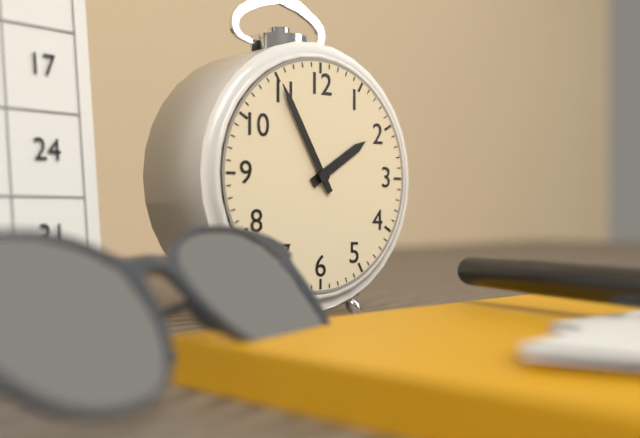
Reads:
{"hour": 1, "minute": 55}
